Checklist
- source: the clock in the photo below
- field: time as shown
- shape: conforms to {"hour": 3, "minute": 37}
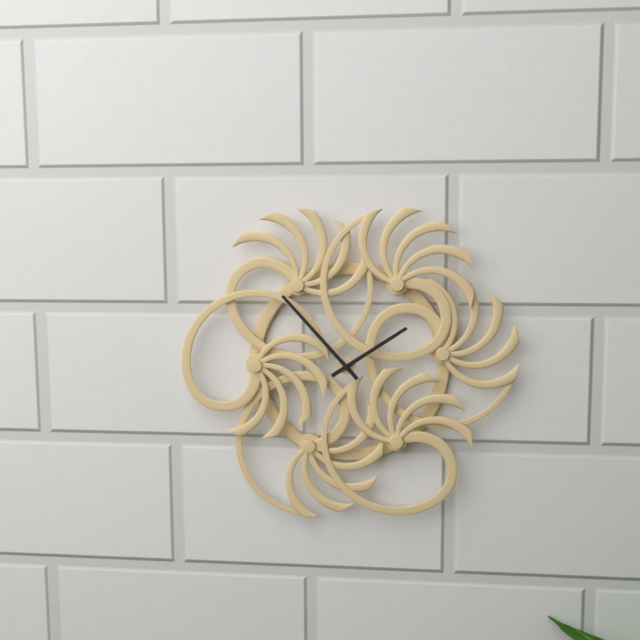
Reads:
{"hour": 1, "minute": 53}
